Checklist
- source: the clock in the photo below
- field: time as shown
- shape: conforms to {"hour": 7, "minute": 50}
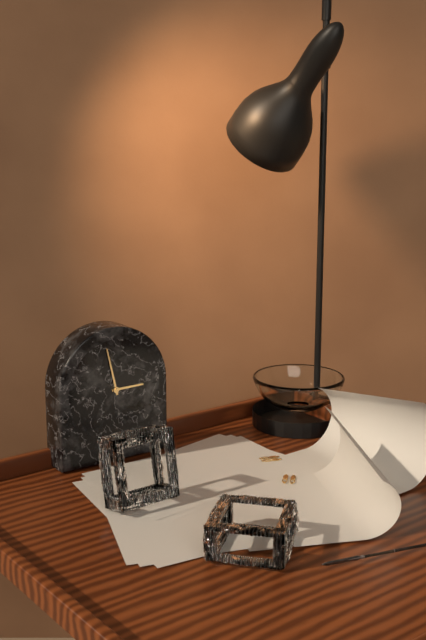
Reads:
{"hour": 2, "minute": 58}
